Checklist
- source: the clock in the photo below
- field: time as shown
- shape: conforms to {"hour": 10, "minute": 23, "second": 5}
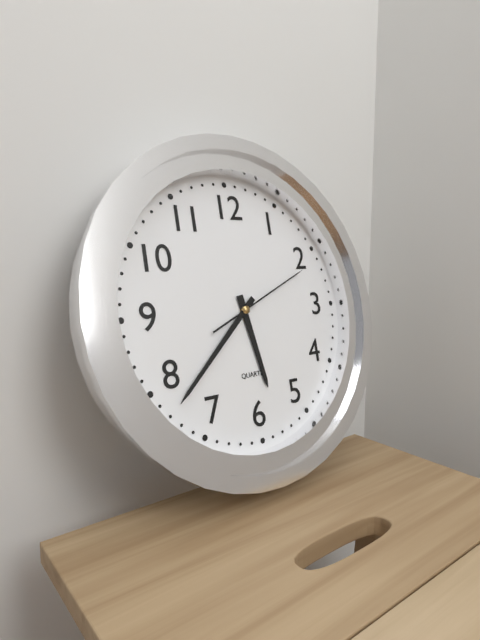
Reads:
{"hour": 5, "minute": 38, "second": 11}
